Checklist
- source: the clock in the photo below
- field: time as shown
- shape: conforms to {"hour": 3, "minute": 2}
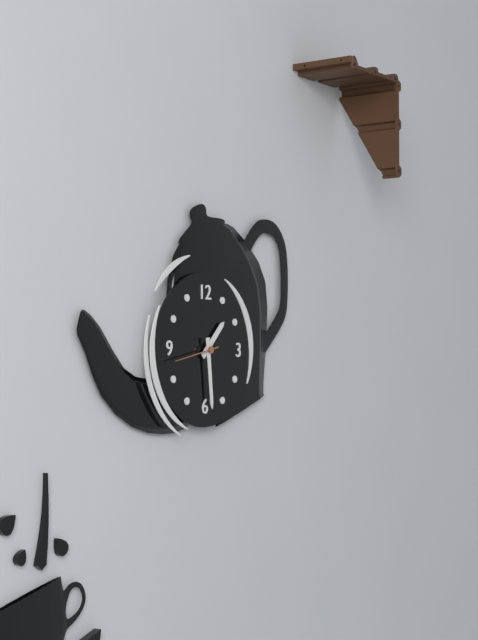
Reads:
{"hour": 1, "minute": 29}
